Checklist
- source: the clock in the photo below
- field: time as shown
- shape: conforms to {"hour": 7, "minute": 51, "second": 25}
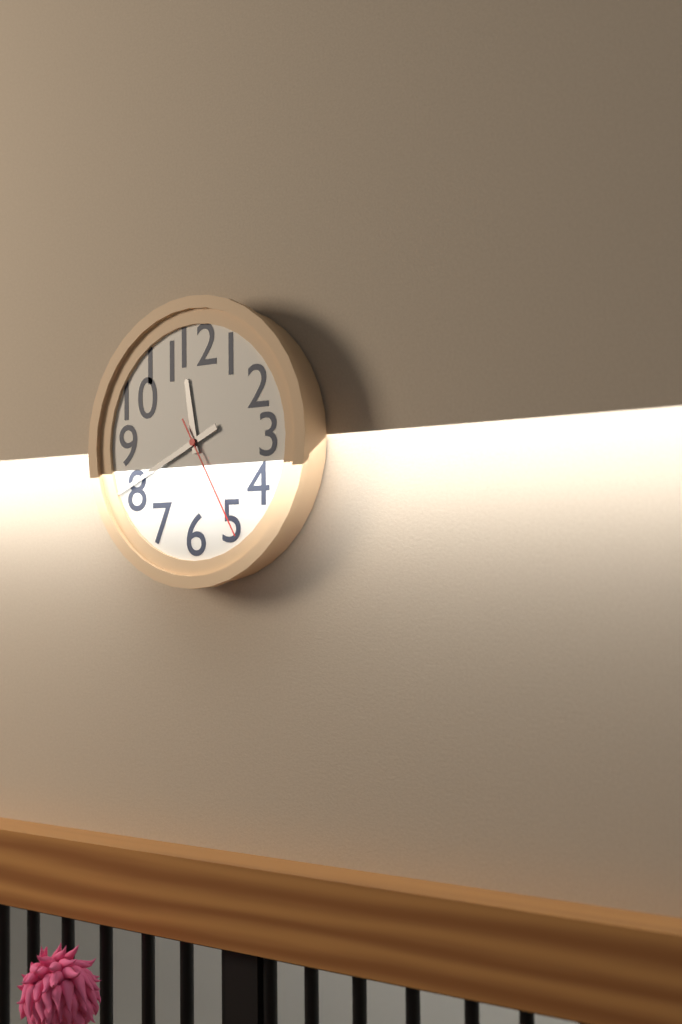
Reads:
{"hour": 11, "minute": 41, "second": 25}
